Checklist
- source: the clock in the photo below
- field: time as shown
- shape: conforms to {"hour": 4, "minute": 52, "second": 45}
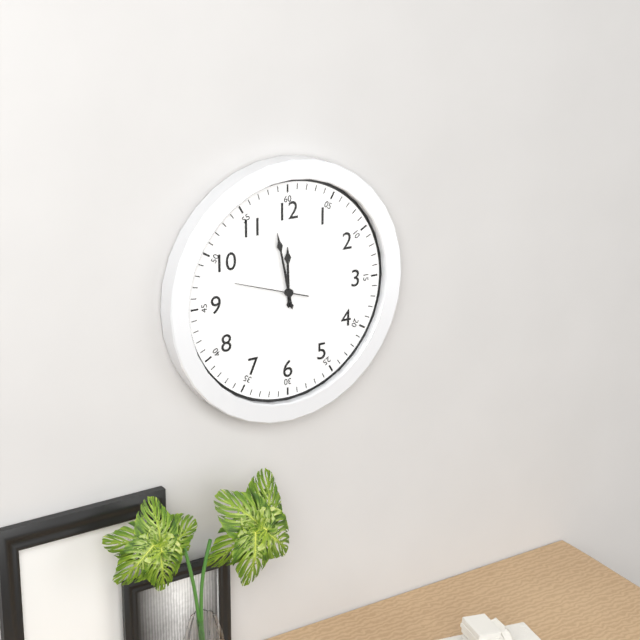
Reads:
{"hour": 11, "minute": 58, "second": 48}
